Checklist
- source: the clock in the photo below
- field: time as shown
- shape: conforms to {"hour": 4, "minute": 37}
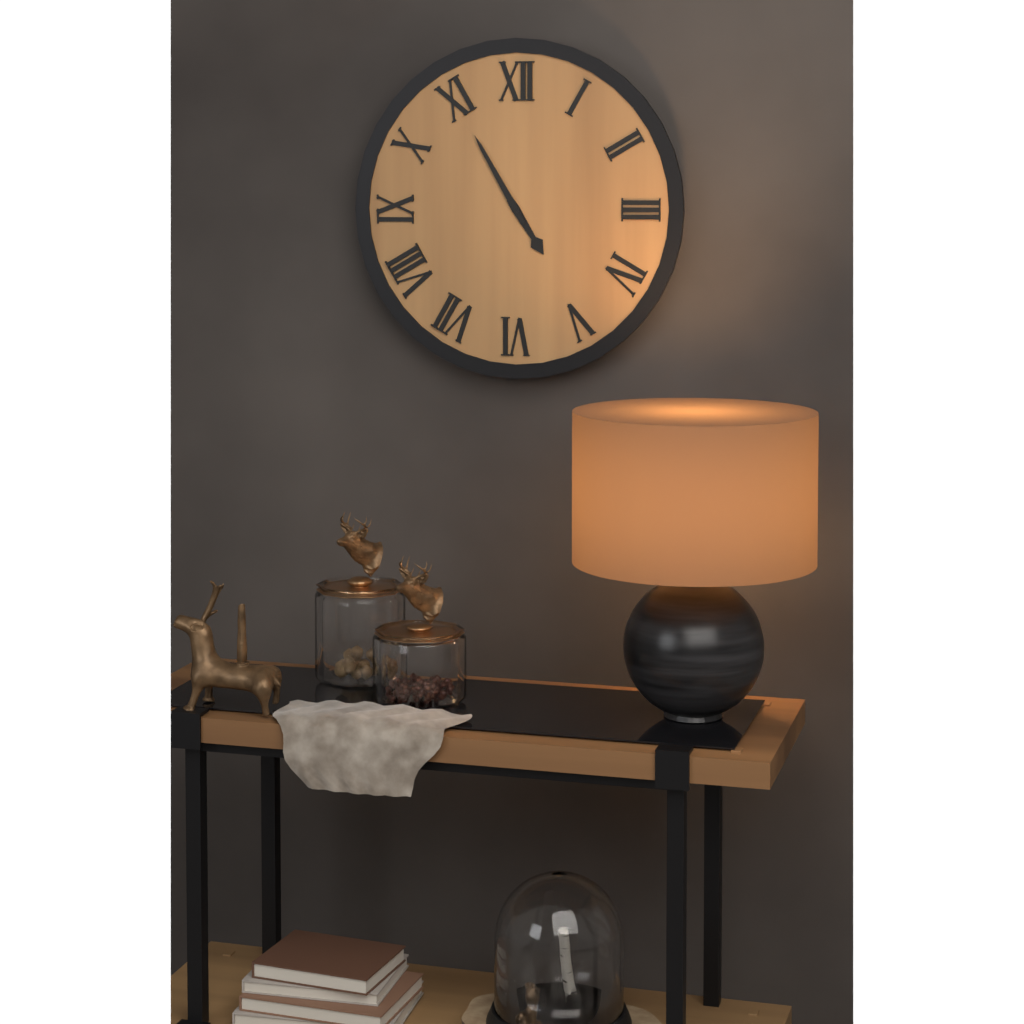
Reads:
{"hour": 4, "minute": 55}
